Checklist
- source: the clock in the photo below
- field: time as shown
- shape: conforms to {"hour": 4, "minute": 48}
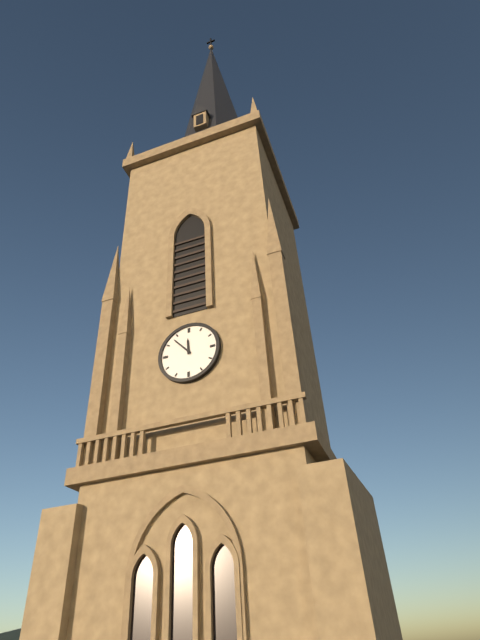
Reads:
{"hour": 11, "minute": 53}
